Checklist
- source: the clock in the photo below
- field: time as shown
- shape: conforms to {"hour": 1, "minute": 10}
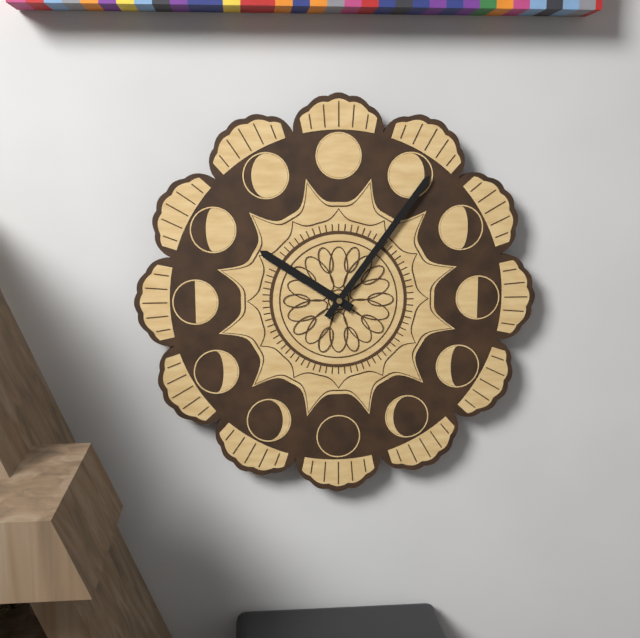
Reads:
{"hour": 10, "minute": 6}
